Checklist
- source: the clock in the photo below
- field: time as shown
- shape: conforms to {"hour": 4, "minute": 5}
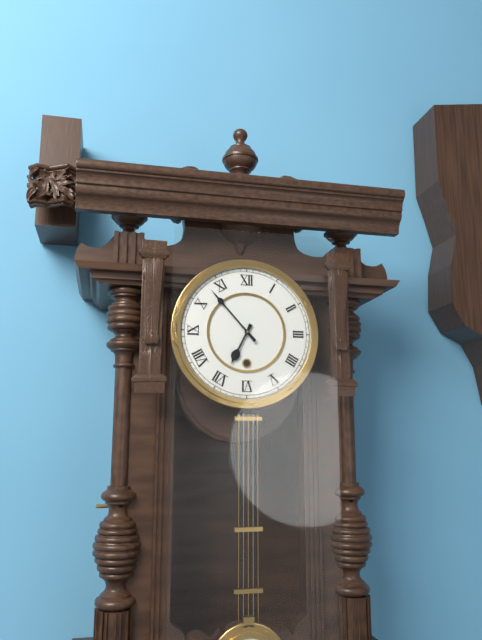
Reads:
{"hour": 6, "minute": 53}
